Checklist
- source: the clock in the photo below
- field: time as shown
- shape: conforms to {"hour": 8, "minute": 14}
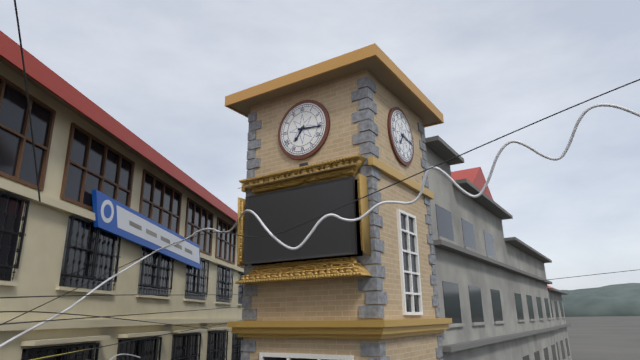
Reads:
{"hour": 7, "minute": 16}
